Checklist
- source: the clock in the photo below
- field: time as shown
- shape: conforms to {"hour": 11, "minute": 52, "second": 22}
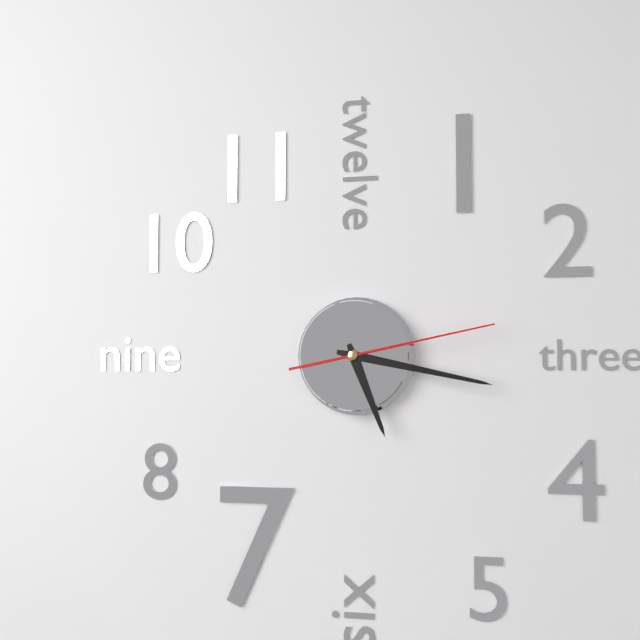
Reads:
{"hour": 5, "minute": 17, "second": 13}
